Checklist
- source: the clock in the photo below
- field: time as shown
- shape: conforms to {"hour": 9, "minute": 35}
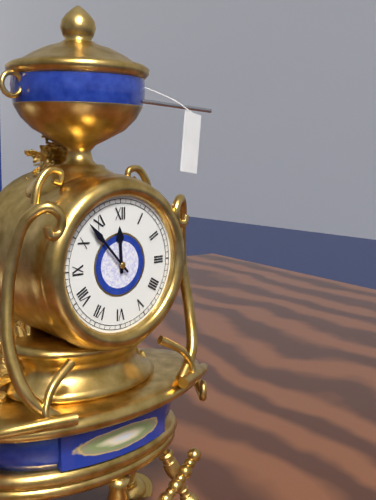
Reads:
{"hour": 11, "minute": 53}
